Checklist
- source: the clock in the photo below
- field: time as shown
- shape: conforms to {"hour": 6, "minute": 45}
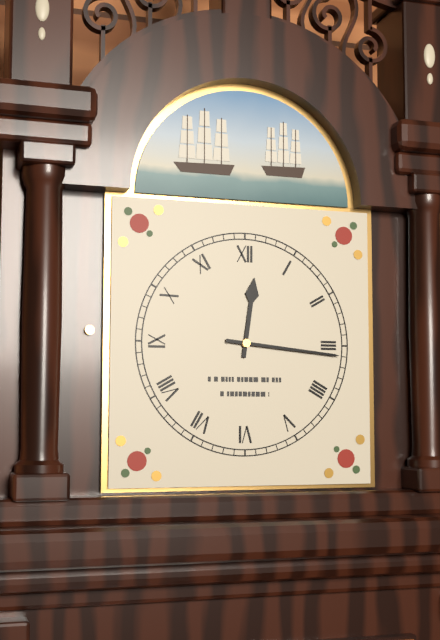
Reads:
{"hour": 12, "minute": 16}
